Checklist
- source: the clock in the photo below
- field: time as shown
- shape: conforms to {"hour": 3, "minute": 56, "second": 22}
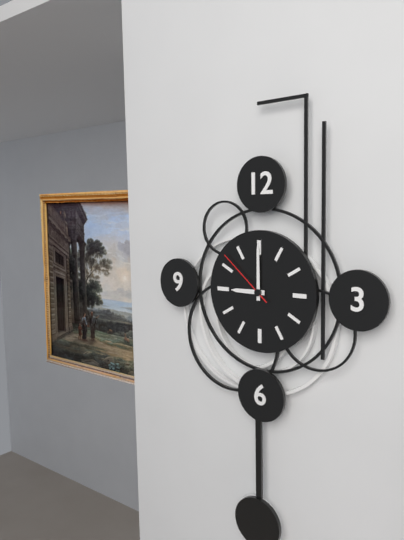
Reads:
{"hour": 9, "minute": 0, "second": 52}
